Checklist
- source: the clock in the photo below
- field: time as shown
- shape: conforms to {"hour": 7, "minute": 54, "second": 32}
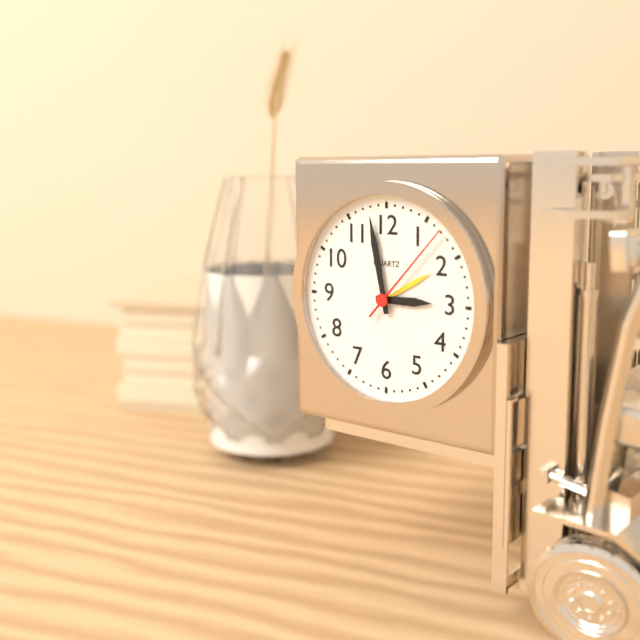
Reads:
{"hour": 2, "minute": 58, "second": 7}
